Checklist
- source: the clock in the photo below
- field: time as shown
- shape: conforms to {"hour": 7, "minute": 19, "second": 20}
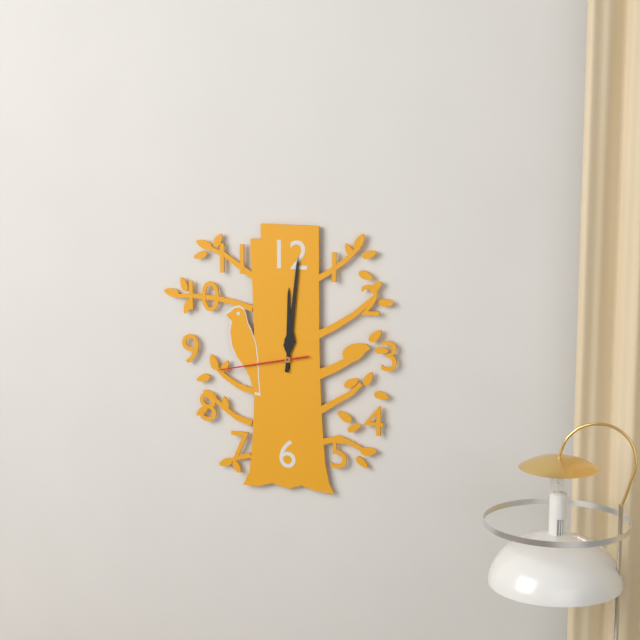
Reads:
{"hour": 12, "minute": 1, "second": 43}
